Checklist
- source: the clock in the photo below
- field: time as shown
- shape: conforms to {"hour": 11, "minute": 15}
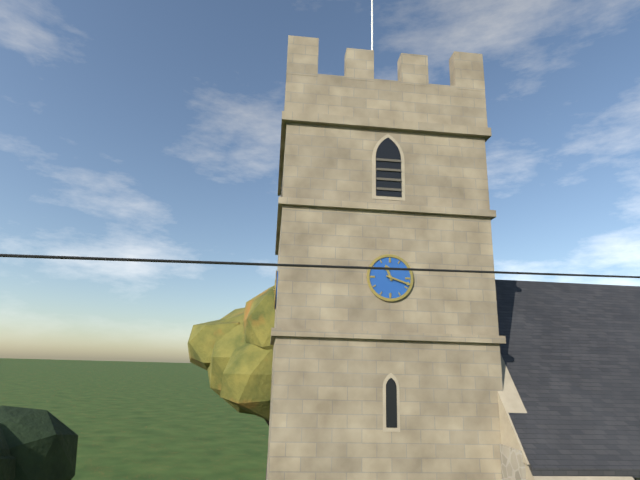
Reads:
{"hour": 11, "minute": 18}
